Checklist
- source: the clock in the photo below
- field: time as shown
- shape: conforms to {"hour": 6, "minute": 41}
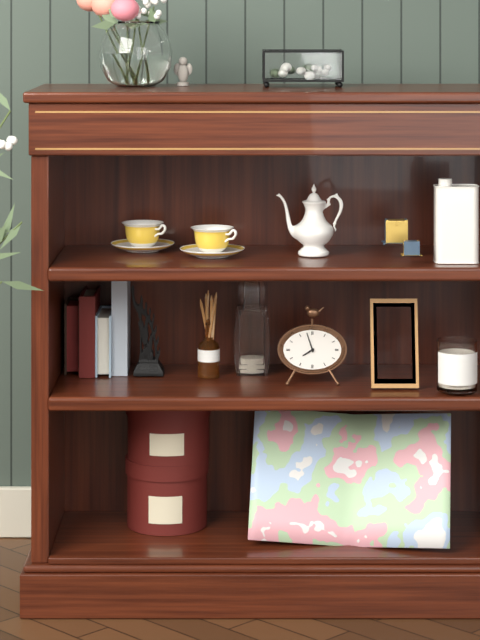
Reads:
{"hour": 7, "minute": 57}
